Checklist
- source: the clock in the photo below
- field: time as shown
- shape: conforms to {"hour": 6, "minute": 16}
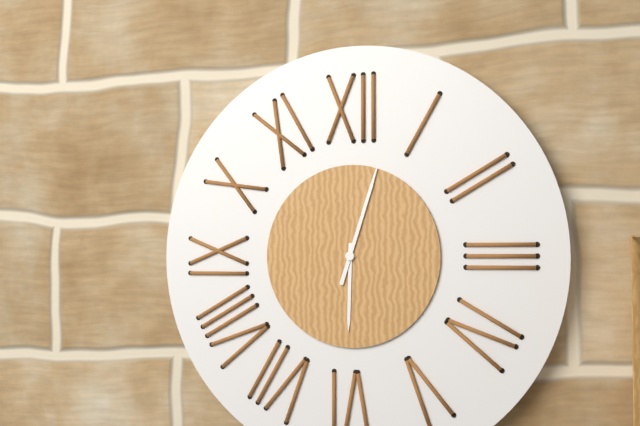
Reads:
{"hour": 6, "minute": 3}
